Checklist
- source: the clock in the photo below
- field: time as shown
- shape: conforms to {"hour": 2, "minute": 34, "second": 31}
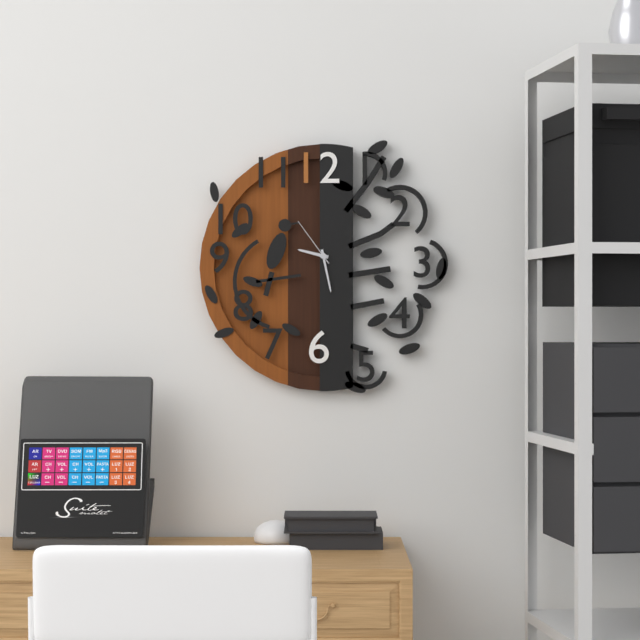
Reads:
{"hour": 9, "minute": 28, "second": 54}
